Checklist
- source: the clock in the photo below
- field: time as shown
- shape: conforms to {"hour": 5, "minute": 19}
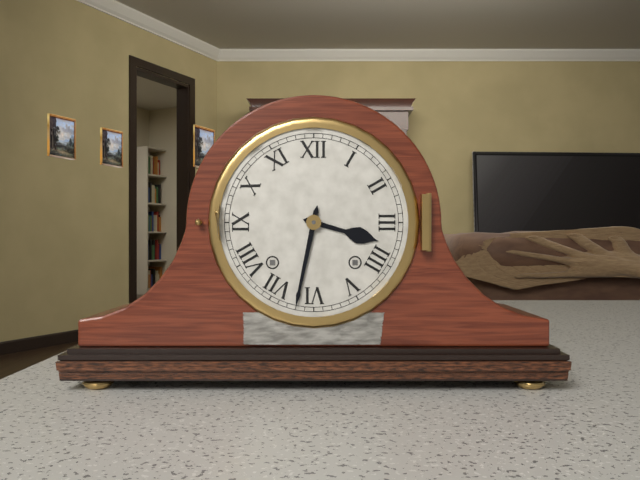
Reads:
{"hour": 3, "minute": 32}
